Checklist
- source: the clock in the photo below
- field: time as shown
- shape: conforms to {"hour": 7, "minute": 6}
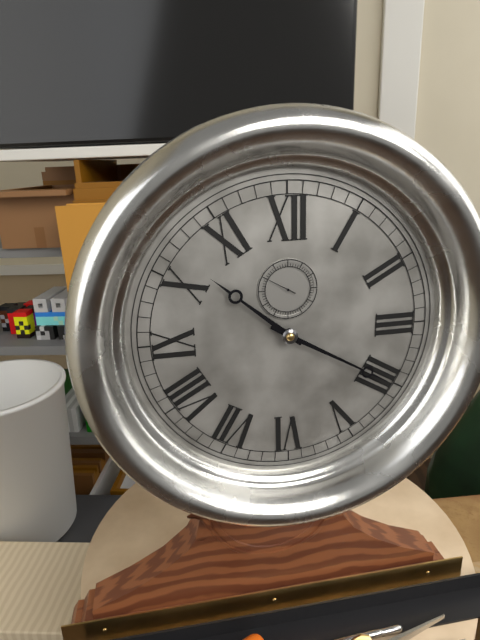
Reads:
{"hour": 10, "minute": 20}
